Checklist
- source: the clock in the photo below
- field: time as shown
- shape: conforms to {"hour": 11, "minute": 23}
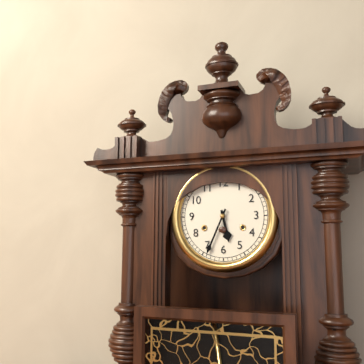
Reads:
{"hour": 5, "minute": 34}
